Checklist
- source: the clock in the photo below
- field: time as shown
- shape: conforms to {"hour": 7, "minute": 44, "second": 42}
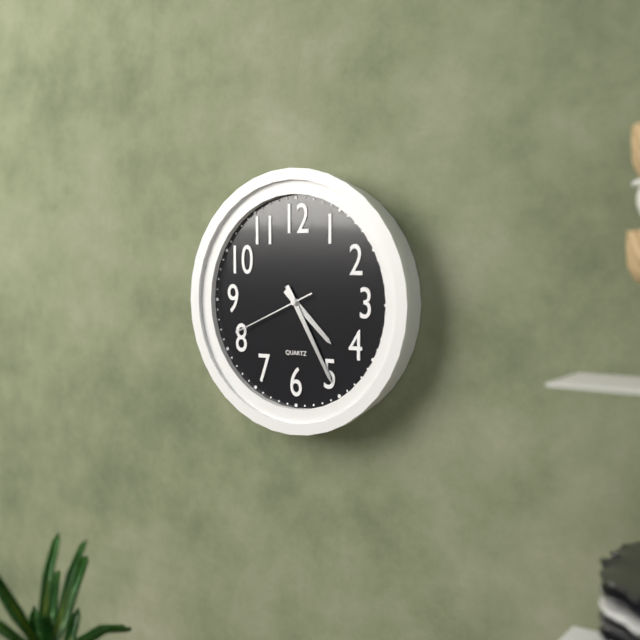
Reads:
{"hour": 4, "minute": 25, "second": 41}
